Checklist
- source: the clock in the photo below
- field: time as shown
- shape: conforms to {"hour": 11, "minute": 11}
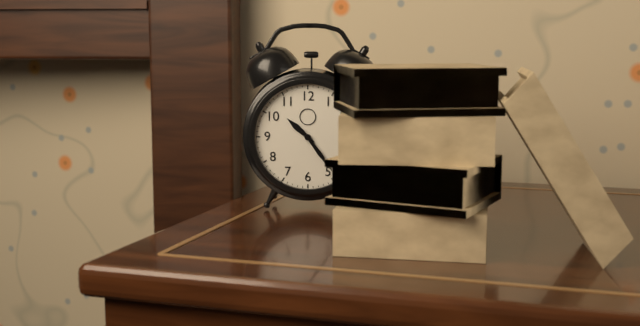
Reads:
{"hour": 10, "minute": 24}
